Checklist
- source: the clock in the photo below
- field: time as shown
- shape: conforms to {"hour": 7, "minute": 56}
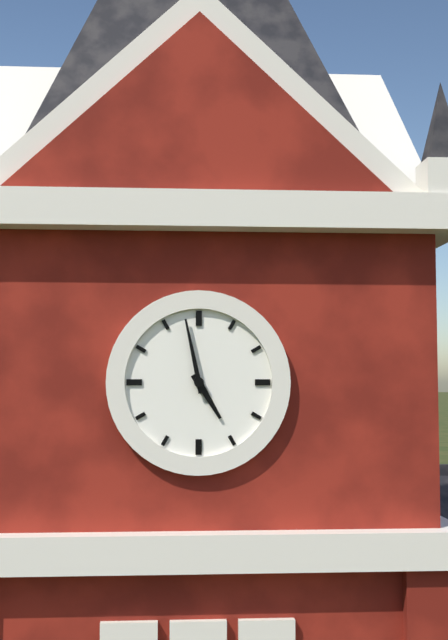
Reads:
{"hour": 4, "minute": 58}
